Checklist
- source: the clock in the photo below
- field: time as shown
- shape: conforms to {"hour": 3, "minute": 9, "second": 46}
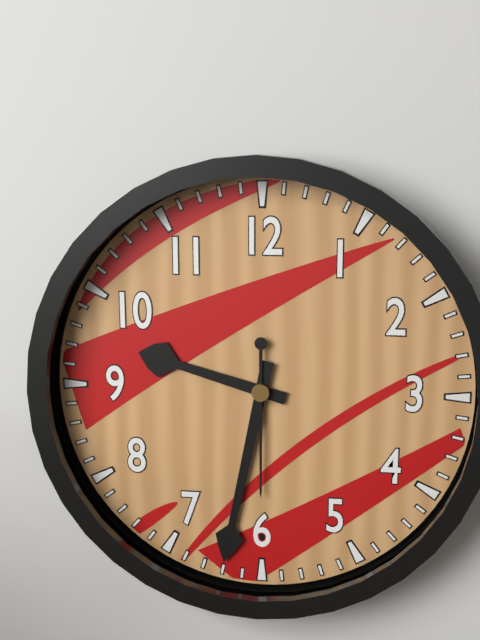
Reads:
{"hour": 9, "minute": 32, "second": 30}
